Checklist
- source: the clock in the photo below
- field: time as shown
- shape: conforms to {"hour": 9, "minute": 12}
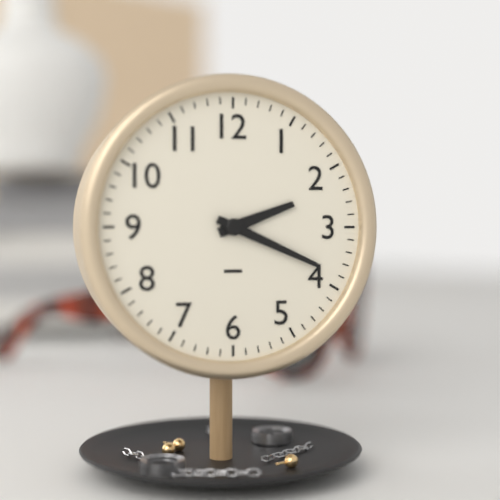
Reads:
{"hour": 2, "minute": 19}
